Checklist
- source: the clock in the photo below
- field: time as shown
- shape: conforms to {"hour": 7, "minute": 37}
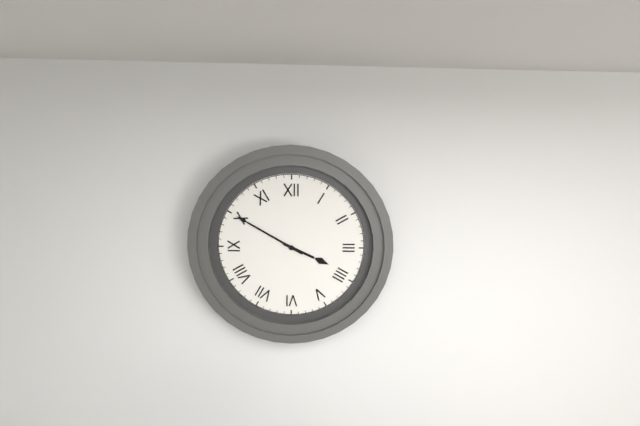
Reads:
{"hour": 3, "minute": 50}
